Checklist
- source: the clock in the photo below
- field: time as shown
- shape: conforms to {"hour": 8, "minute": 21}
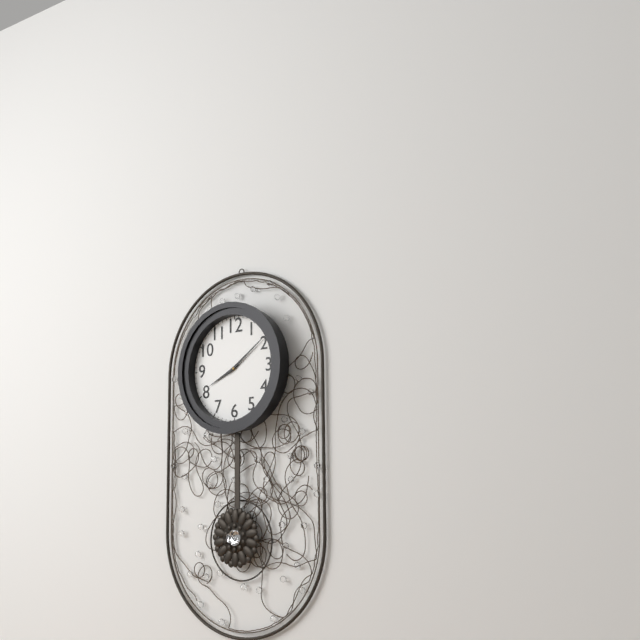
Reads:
{"hour": 8, "minute": 9}
